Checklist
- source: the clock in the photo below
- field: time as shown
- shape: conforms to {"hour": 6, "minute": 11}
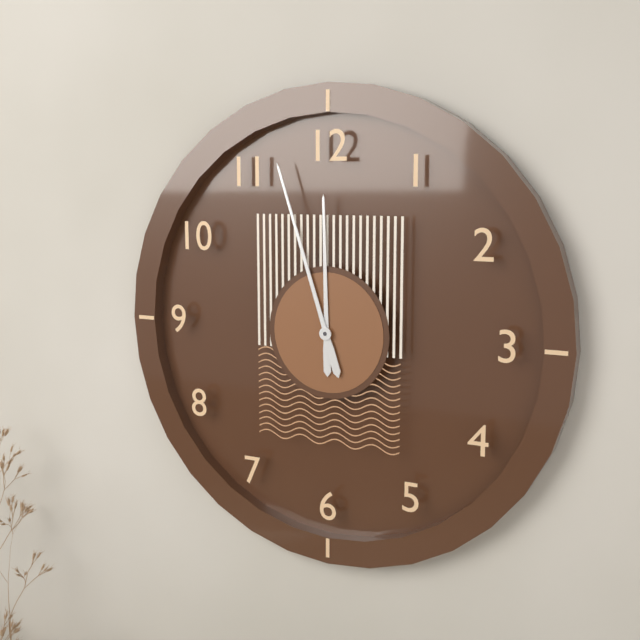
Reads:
{"hour": 11, "minute": 57}
